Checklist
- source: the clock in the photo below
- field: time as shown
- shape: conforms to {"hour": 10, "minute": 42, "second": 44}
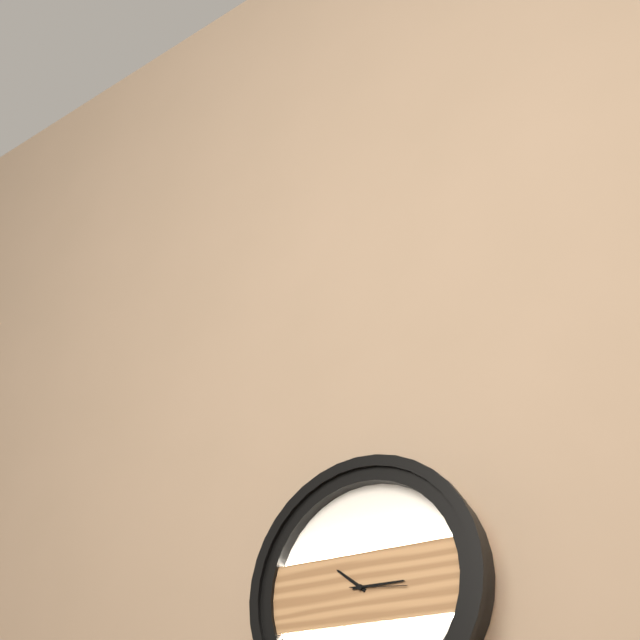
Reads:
{"hour": 10, "minute": 15, "second": 16}
